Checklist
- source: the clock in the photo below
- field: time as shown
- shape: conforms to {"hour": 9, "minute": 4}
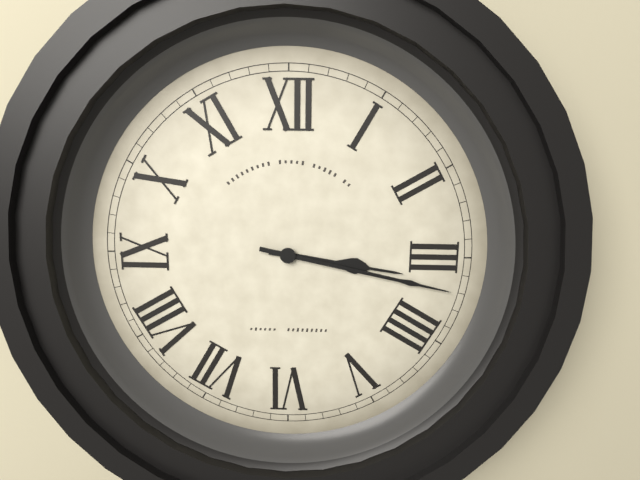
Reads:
{"hour": 3, "minute": 17}
